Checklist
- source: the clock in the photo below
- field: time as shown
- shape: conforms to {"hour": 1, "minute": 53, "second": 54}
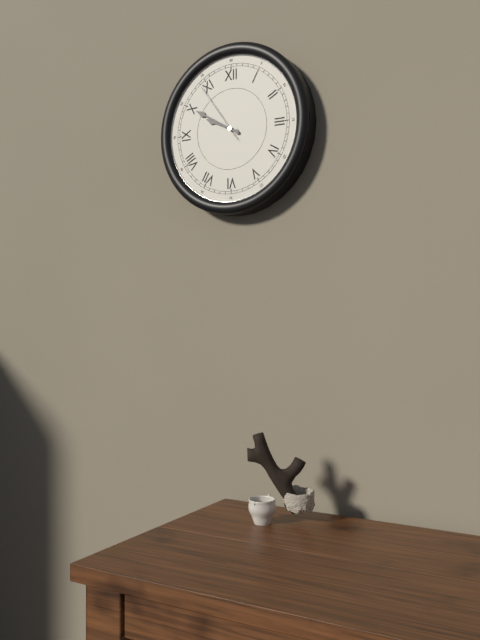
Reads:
{"hour": 9, "minute": 50, "second": 54}
